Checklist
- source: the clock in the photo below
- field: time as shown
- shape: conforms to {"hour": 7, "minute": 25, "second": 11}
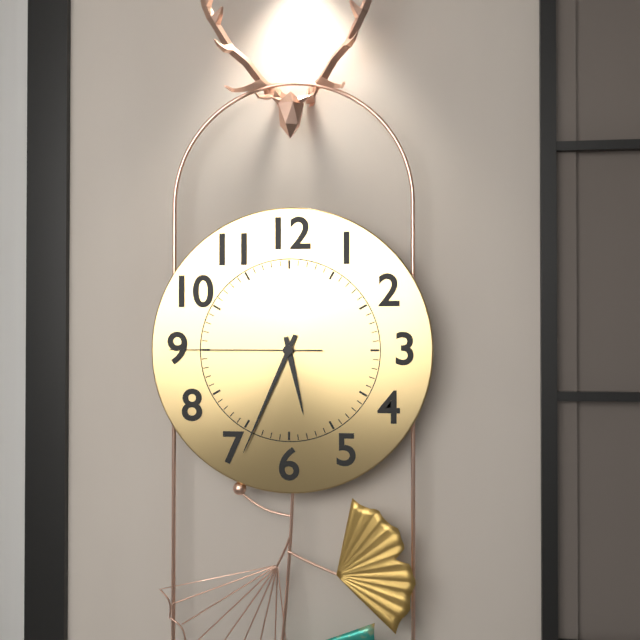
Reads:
{"hour": 5, "minute": 34, "second": 45}
